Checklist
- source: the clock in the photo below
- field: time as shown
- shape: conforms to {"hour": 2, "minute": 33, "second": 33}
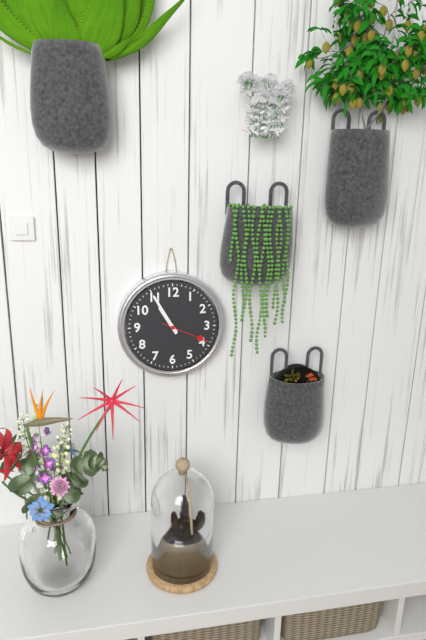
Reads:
{"hour": 10, "minute": 55, "second": 19}
